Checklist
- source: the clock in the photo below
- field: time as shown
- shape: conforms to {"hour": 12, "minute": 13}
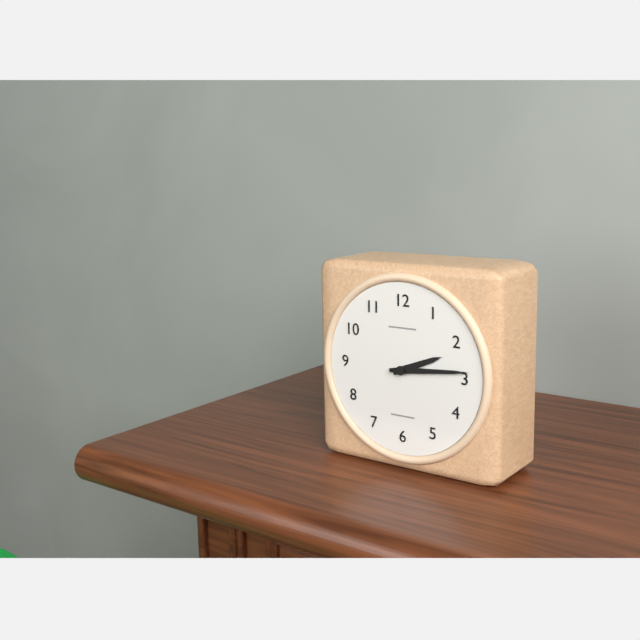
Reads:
{"hour": 2, "minute": 14}
